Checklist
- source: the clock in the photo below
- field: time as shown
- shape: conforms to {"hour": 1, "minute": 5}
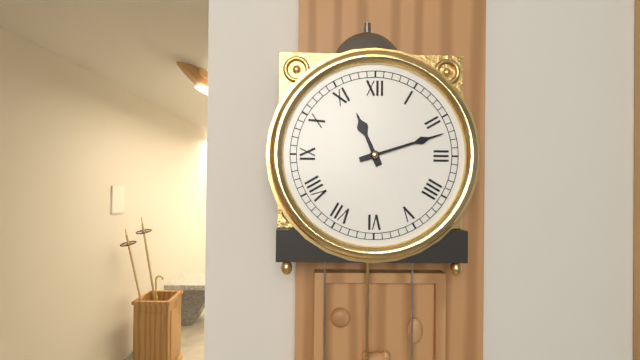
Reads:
{"hour": 11, "minute": 12}
